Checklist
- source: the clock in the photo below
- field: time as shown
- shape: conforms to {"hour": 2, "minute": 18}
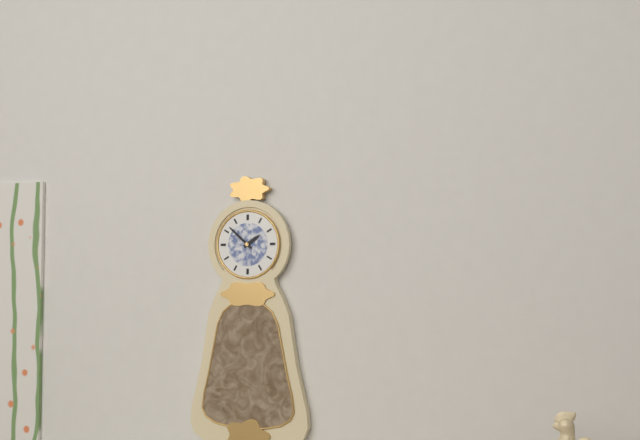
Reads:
{"hour": 1, "minute": 52}
